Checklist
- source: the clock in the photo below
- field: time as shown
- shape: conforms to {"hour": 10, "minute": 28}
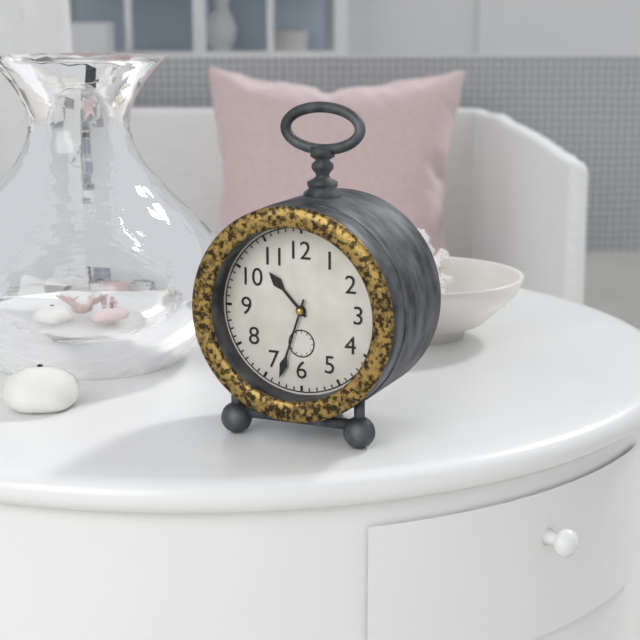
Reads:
{"hour": 10, "minute": 33}
